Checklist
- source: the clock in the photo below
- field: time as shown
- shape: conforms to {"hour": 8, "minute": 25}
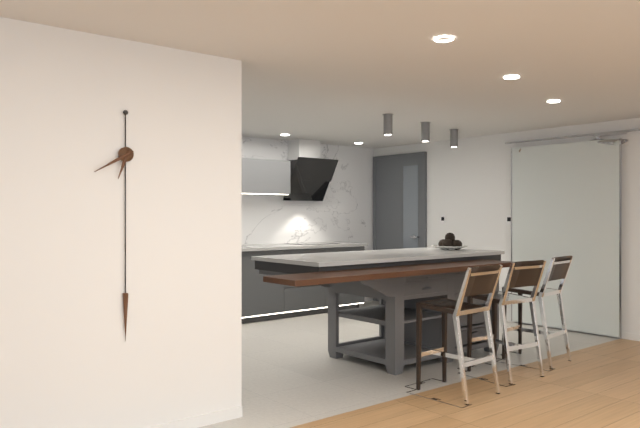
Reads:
{"hour": 6, "minute": 40}
